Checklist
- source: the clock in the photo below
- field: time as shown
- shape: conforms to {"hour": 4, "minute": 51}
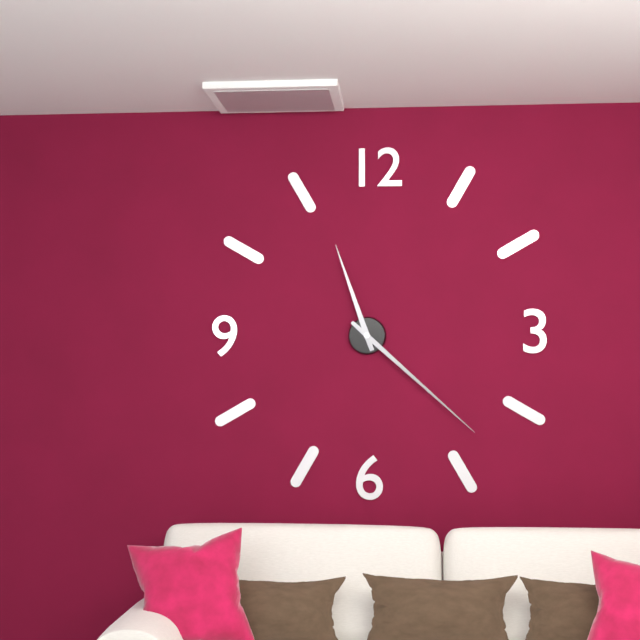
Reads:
{"hour": 11, "minute": 22}
